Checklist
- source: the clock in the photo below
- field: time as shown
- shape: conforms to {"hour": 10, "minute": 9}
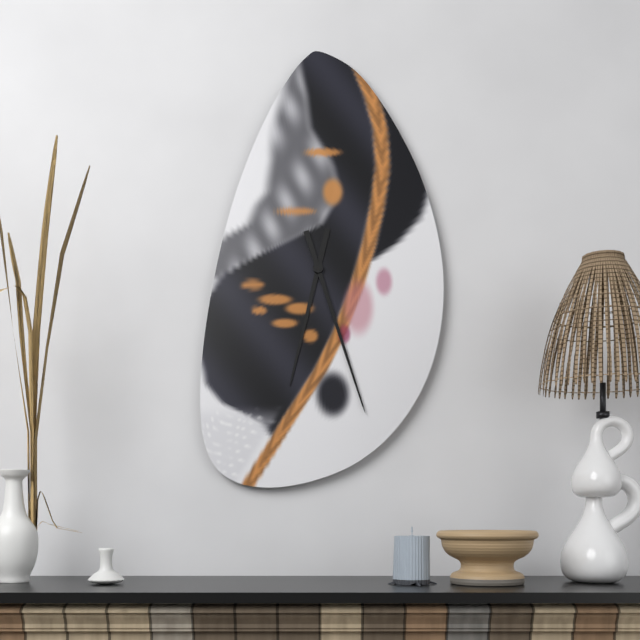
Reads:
{"hour": 6, "minute": 27}
